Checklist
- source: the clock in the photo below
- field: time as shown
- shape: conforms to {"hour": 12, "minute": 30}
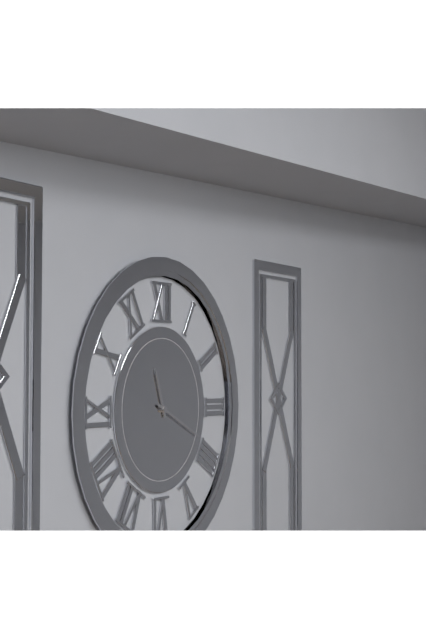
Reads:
{"hour": 11, "minute": 19}
